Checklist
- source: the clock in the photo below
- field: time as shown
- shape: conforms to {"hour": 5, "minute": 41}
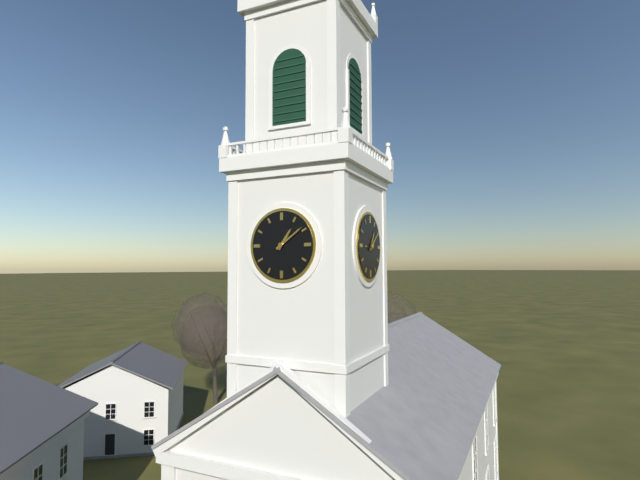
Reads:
{"hour": 1, "minute": 9}
